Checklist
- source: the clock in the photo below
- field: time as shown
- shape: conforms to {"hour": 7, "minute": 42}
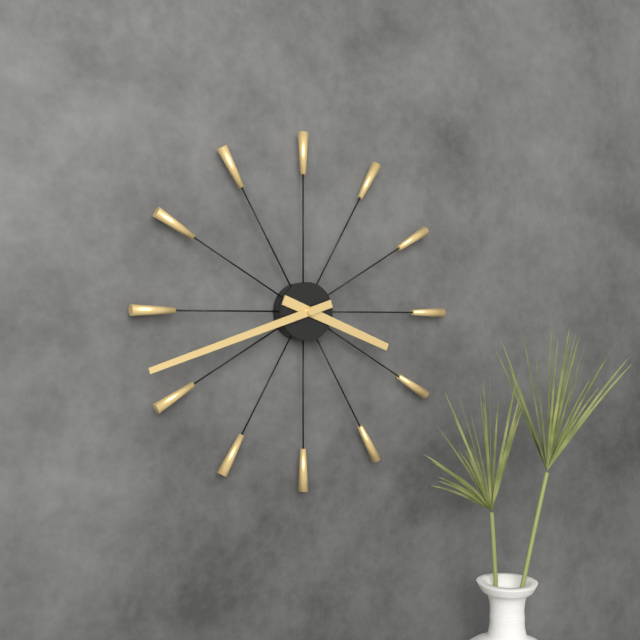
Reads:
{"hour": 3, "minute": 42}
